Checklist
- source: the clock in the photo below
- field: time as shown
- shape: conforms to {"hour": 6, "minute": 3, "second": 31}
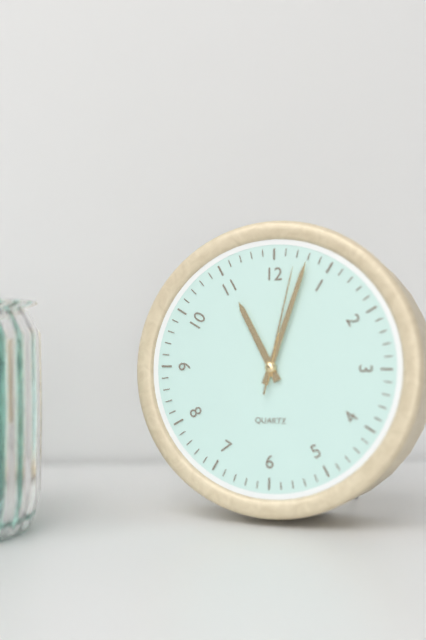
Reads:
{"hour": 11, "minute": 3, "second": 2}
